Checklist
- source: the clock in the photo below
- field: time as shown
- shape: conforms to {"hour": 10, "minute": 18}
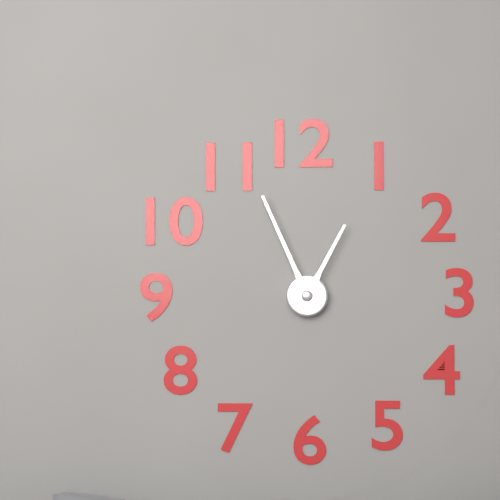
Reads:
{"hour": 12, "minute": 56}
